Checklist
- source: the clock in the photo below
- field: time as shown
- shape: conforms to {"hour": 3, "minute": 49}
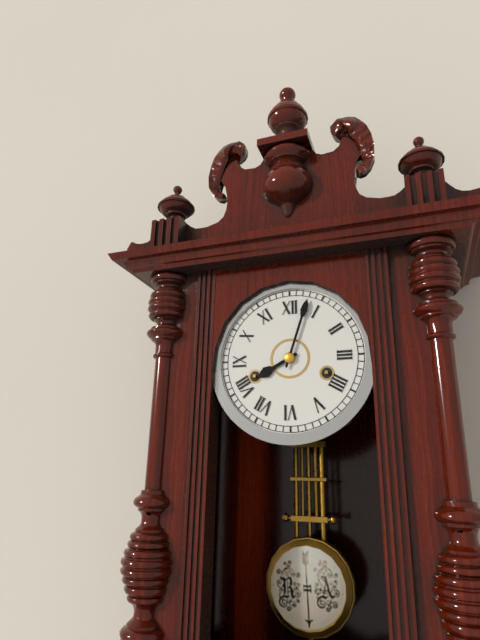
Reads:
{"hour": 8, "minute": 3}
